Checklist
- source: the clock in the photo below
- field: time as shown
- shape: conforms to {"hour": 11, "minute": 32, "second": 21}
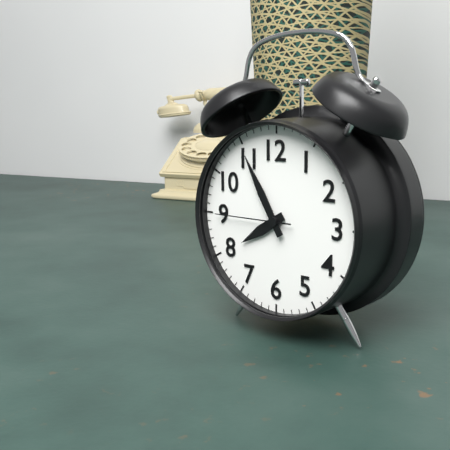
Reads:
{"hour": 7, "minute": 55, "second": 45}
